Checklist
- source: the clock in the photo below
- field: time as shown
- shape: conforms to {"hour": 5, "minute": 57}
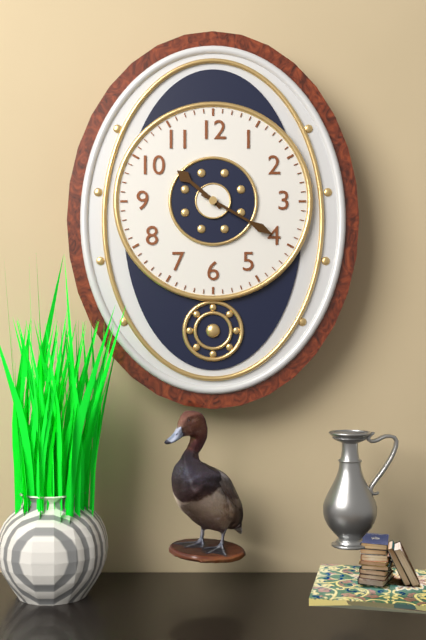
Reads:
{"hour": 10, "minute": 20}
